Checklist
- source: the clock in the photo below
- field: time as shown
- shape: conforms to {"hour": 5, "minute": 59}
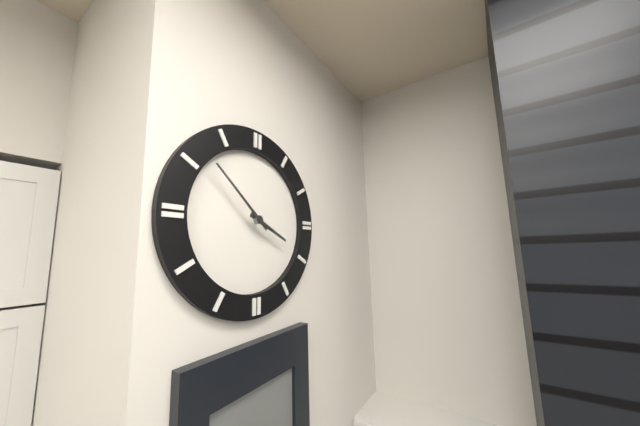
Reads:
{"hour": 3, "minute": 52}
